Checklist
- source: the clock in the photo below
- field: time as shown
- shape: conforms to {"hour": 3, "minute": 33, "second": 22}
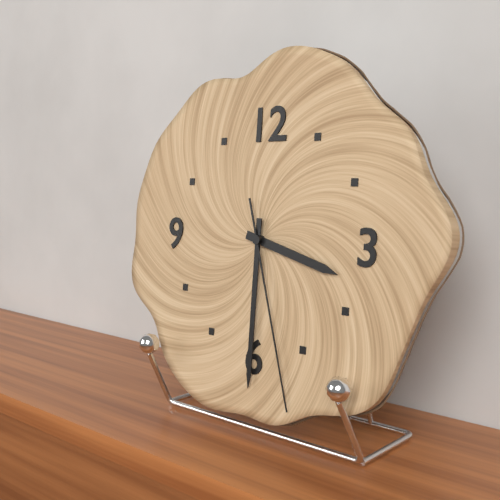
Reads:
{"hour": 3, "minute": 30, "second": 27}
